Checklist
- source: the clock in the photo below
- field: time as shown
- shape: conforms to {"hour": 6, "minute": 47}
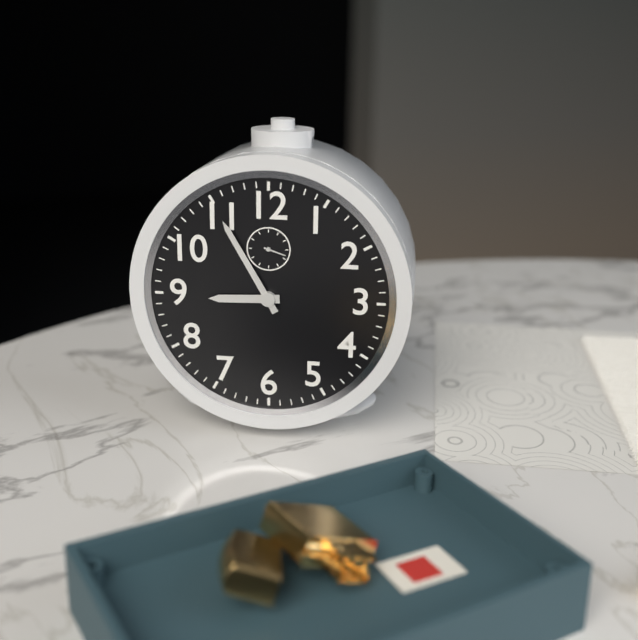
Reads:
{"hour": 8, "minute": 55}
